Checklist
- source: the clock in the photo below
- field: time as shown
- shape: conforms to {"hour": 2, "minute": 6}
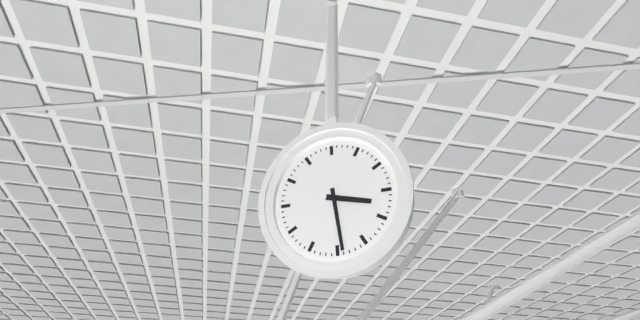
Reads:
{"hour": 3, "minute": 29}
